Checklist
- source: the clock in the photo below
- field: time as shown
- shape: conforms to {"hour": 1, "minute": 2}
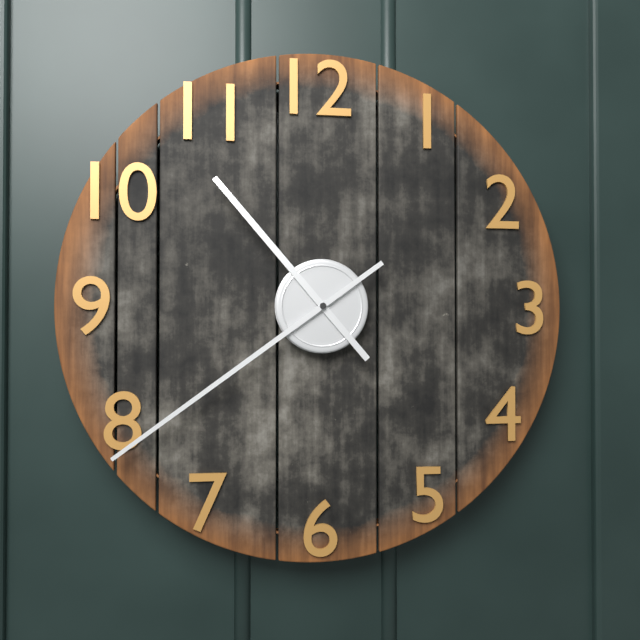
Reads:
{"hour": 10, "minute": 39}
